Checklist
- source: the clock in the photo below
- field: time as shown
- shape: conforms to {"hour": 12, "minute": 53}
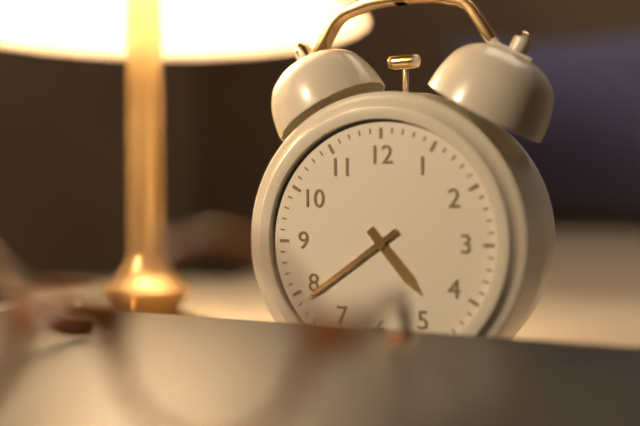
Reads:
{"hour": 4, "minute": 39}
